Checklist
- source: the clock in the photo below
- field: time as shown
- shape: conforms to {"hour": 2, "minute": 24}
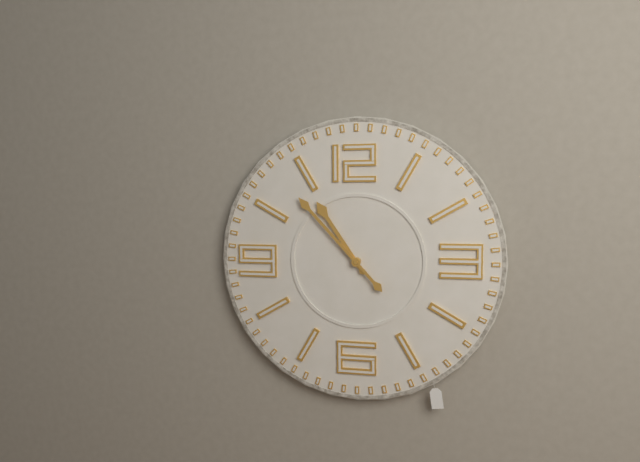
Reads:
{"hour": 10, "minute": 53}
